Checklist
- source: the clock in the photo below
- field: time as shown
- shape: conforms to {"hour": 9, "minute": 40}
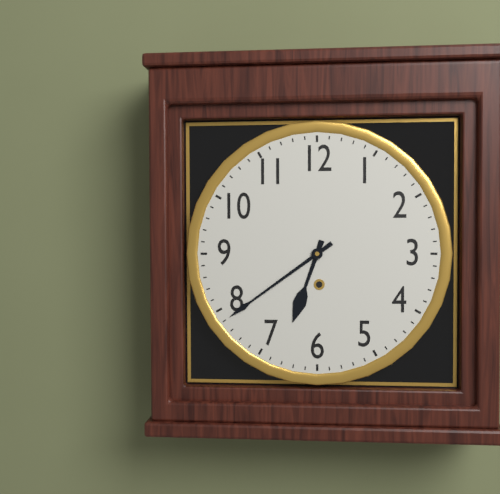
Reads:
{"hour": 6, "minute": 39}
